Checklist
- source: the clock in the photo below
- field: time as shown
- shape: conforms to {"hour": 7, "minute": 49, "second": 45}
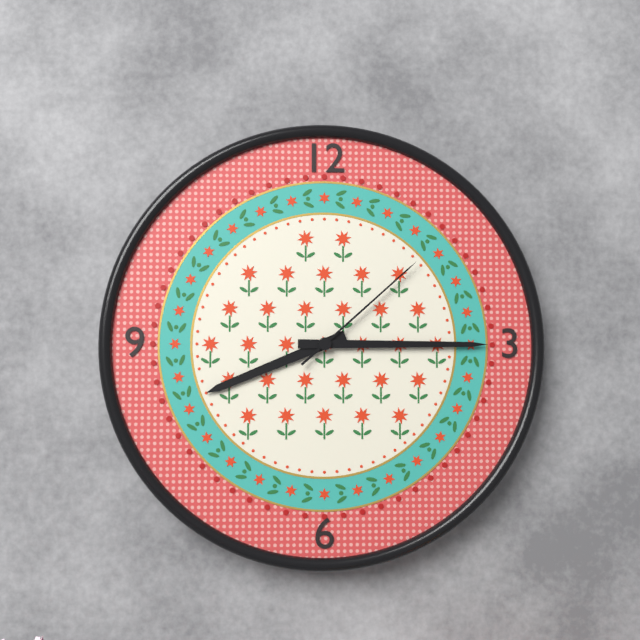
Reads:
{"hour": 8, "minute": 15, "second": 8}
